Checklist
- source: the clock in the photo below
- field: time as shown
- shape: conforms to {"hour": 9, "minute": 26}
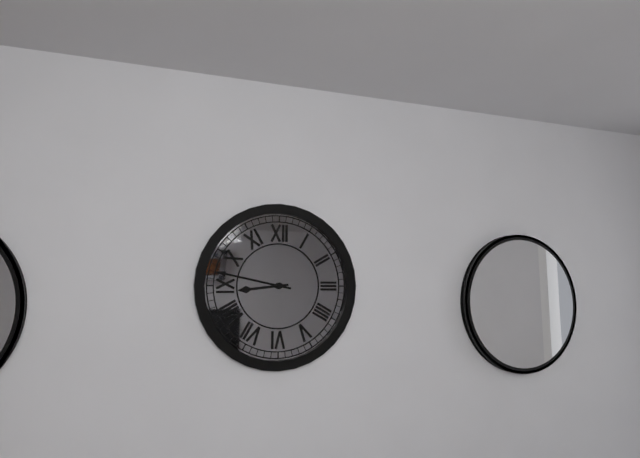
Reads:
{"hour": 8, "minute": 47}
